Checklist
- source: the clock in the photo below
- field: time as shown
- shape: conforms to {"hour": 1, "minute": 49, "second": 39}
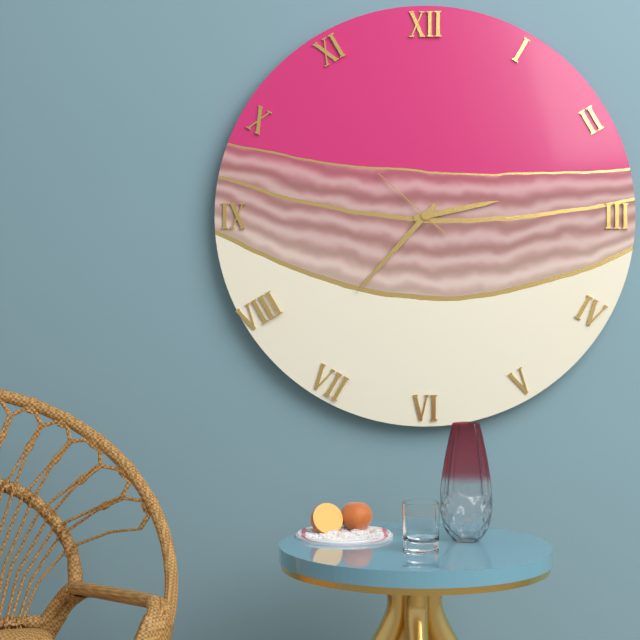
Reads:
{"hour": 2, "minute": 37, "second": 52}
